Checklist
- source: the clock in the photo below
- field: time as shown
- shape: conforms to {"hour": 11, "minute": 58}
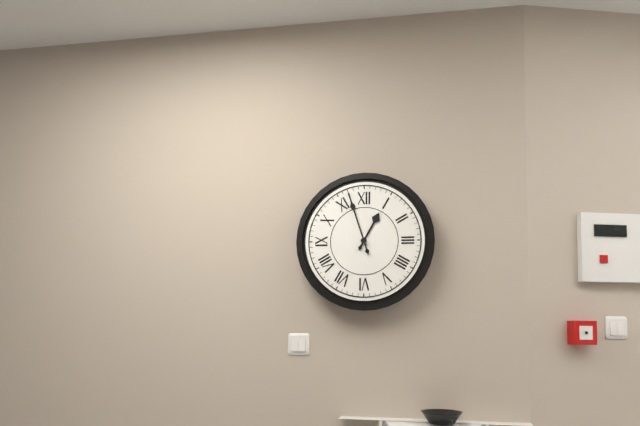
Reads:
{"hour": 12, "minute": 57}
